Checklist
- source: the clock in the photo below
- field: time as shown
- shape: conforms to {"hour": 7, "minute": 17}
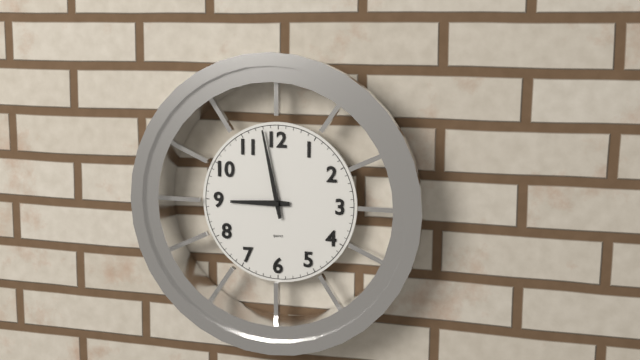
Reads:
{"hour": 8, "minute": 58}
